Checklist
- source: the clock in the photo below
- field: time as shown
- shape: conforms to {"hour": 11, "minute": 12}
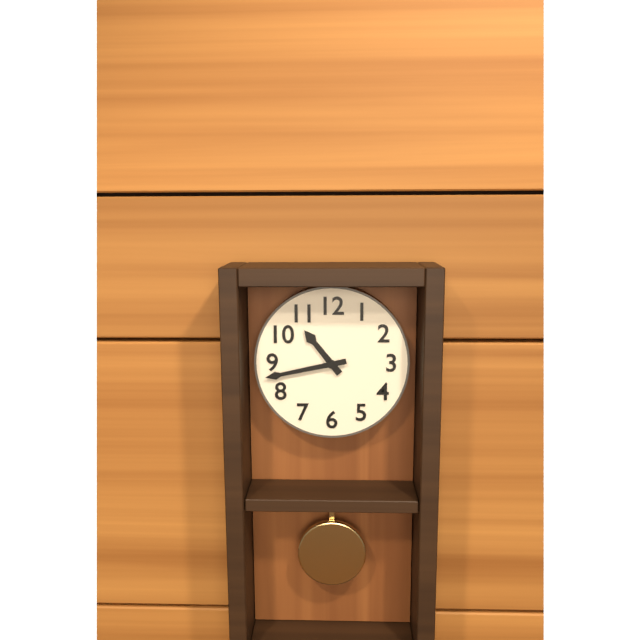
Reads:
{"hour": 10, "minute": 43}
